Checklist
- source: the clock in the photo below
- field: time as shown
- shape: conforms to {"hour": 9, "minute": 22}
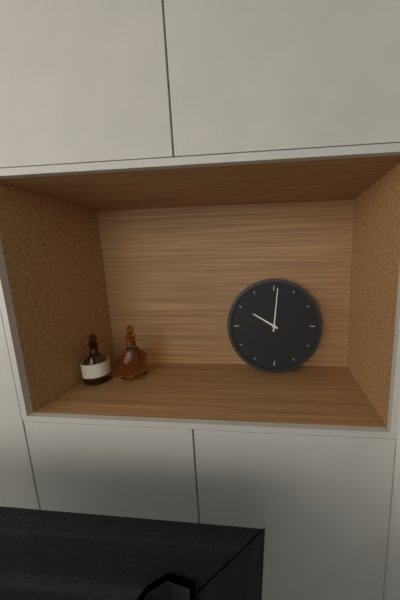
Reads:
{"hour": 10, "minute": 1}
